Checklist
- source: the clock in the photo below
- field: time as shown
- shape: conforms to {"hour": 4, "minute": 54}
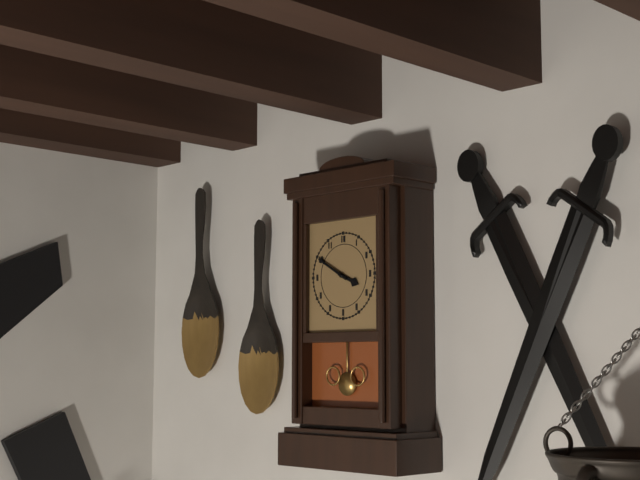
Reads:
{"hour": 3, "minute": 50}
